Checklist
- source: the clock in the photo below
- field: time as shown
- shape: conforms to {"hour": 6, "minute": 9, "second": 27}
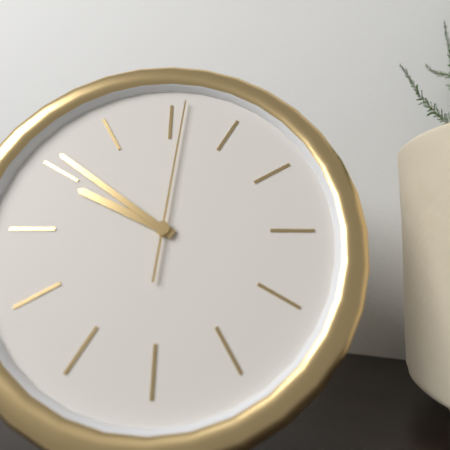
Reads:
{"hour": 9, "minute": 51, "second": 1}
